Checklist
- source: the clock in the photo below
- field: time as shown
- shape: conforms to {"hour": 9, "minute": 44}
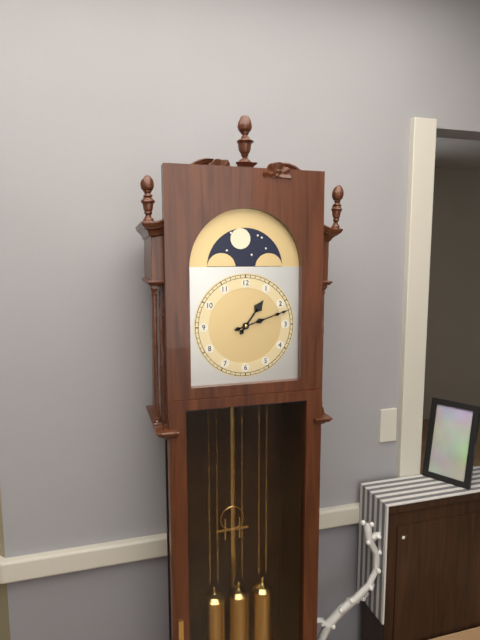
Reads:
{"hour": 1, "minute": 12}
